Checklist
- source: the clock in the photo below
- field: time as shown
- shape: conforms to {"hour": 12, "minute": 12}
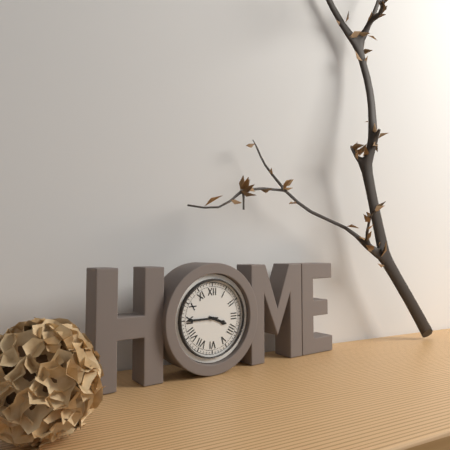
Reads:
{"hour": 3, "minute": 45}
